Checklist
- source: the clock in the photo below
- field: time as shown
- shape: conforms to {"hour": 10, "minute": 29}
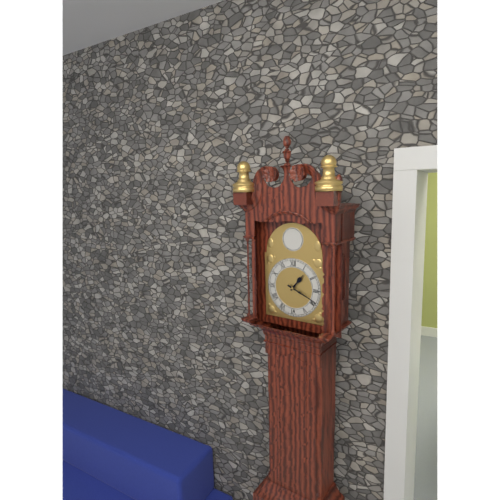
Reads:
{"hour": 1, "minute": 19}
